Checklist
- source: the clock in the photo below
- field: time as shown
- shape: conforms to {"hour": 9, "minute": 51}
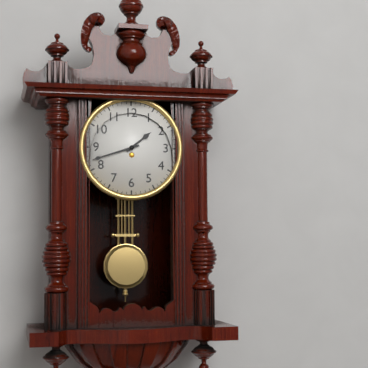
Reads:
{"hour": 1, "minute": 42}
